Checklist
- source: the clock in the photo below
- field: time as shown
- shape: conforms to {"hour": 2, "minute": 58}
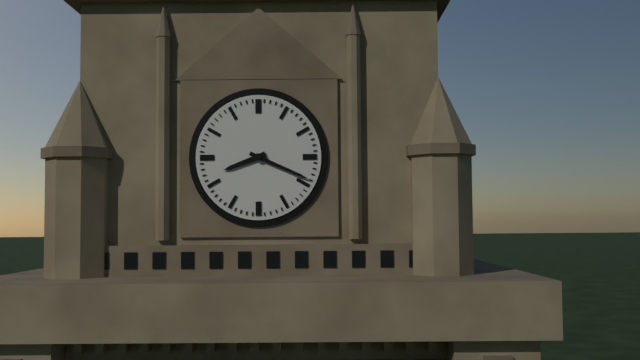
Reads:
{"hour": 8, "minute": 19}
